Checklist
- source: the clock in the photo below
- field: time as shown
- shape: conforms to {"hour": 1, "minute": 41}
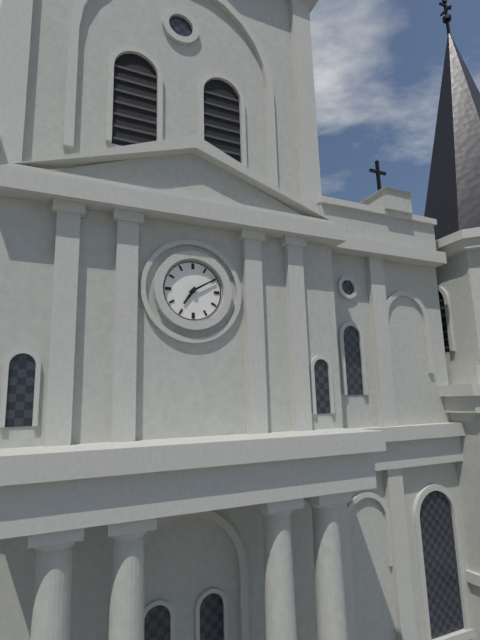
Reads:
{"hour": 7, "minute": 10}
